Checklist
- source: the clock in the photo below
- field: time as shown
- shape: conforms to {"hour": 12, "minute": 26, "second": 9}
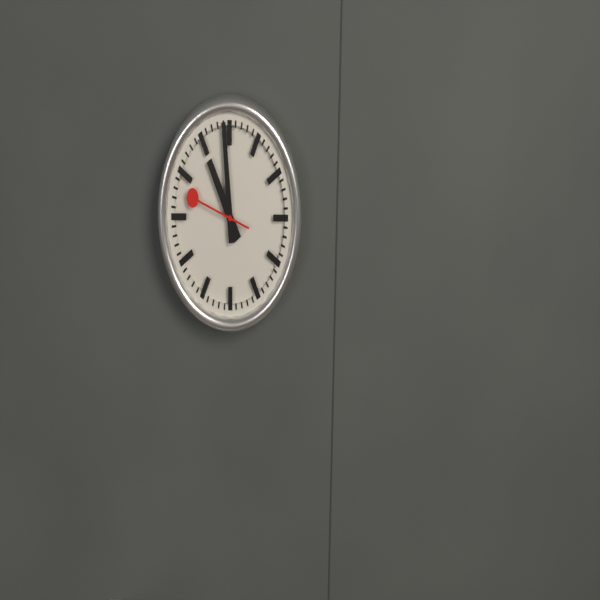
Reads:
{"hour": 10, "minute": 59, "second": 48}
